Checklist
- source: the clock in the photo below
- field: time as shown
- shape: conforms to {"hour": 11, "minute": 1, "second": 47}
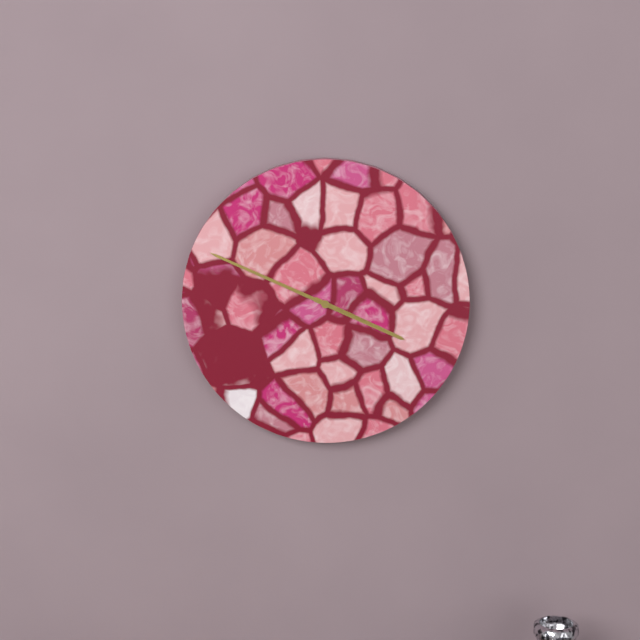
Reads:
{"hour": 3, "minute": 49, "second": 49}
